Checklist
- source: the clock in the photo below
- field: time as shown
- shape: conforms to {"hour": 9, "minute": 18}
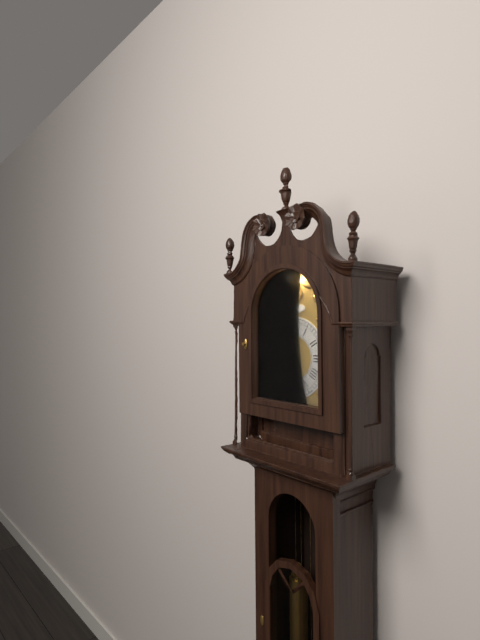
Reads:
{"hour": 5, "minute": 52}
